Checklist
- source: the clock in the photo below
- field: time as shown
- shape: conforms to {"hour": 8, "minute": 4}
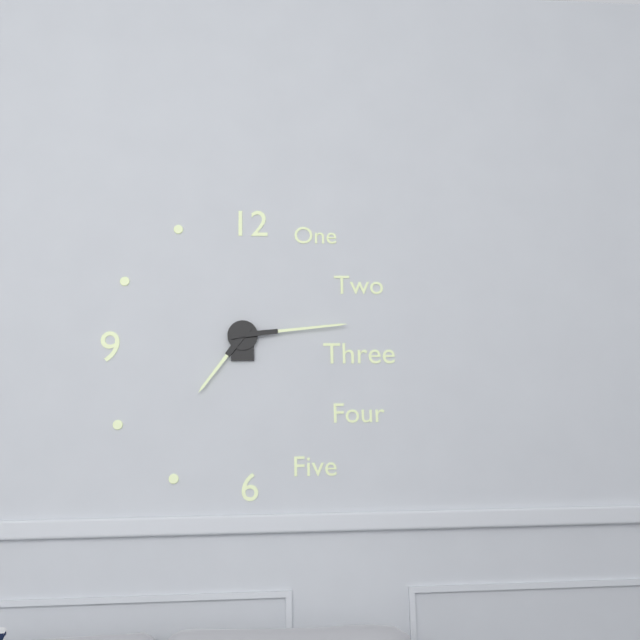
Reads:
{"hour": 7, "minute": 14}
